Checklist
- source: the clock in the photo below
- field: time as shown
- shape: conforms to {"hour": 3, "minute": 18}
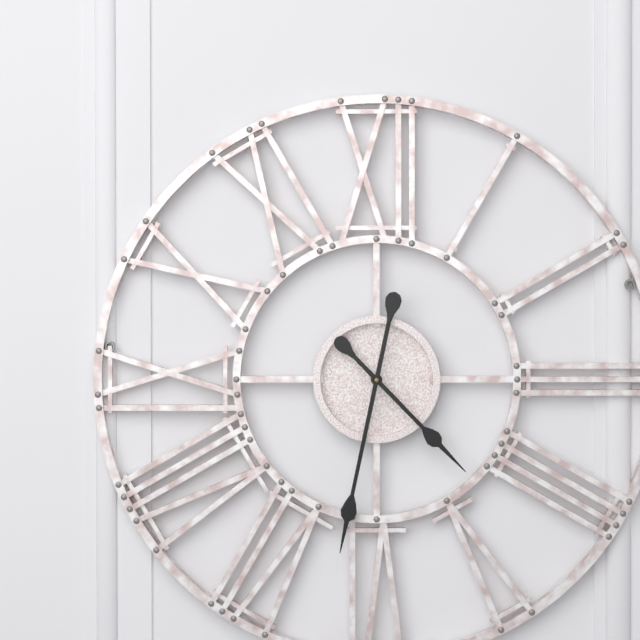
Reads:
{"hour": 4, "minute": 32}
